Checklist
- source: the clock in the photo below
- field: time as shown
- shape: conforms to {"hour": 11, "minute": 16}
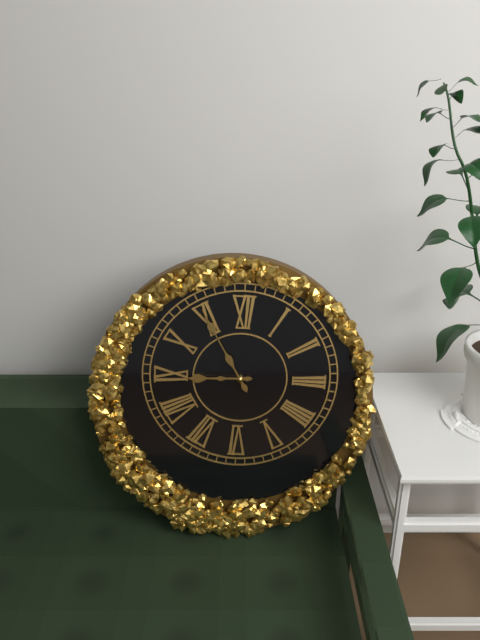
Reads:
{"hour": 8, "minute": 55}
